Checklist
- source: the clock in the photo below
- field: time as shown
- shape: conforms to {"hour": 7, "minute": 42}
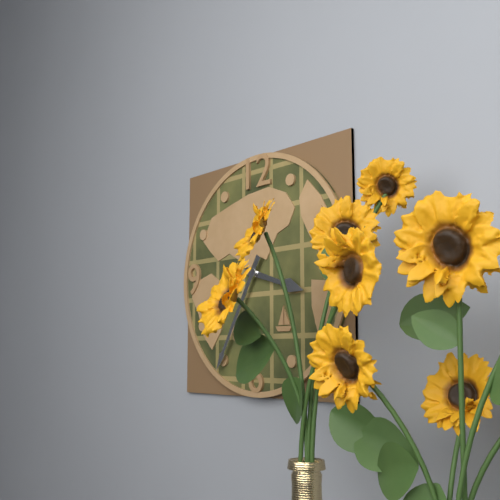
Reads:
{"hour": 3, "minute": 35}
